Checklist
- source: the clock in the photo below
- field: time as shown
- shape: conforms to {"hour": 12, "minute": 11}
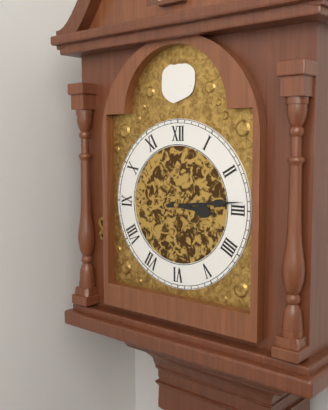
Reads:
{"hour": 3, "minute": 14}
